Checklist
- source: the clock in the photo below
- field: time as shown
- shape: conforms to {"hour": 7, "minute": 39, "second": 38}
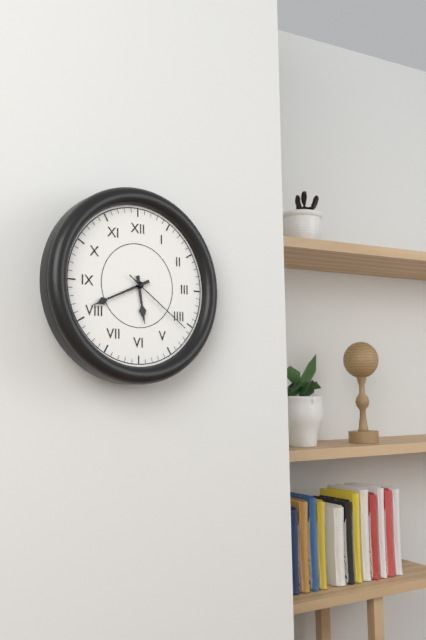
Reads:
{"hour": 5, "minute": 41, "second": 21}
